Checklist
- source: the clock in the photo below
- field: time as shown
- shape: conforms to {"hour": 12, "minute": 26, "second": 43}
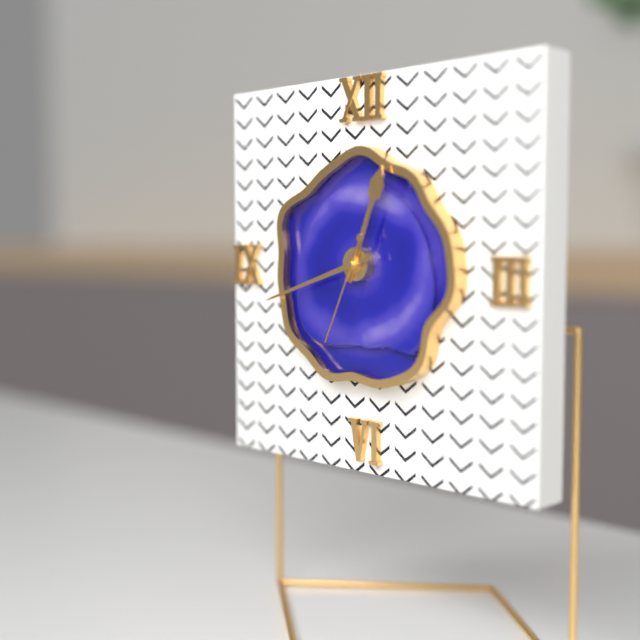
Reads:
{"hour": 12, "minute": 42, "second": 34}
